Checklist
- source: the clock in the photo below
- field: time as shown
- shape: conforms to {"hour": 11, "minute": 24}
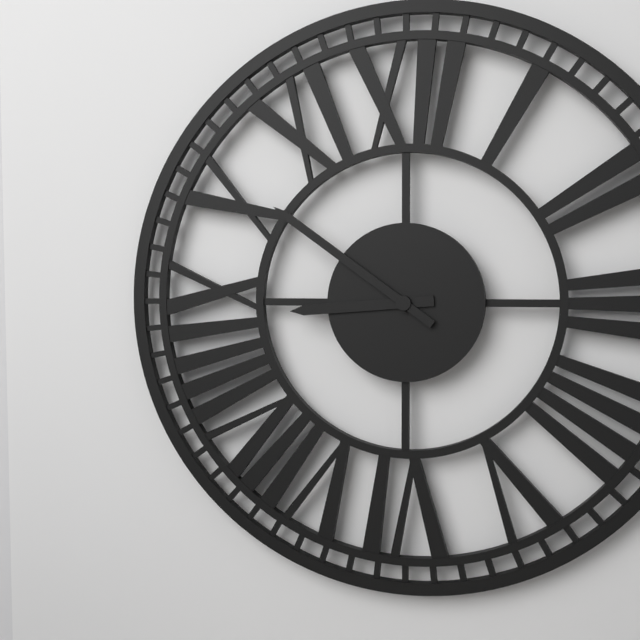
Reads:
{"hour": 8, "minute": 51}
